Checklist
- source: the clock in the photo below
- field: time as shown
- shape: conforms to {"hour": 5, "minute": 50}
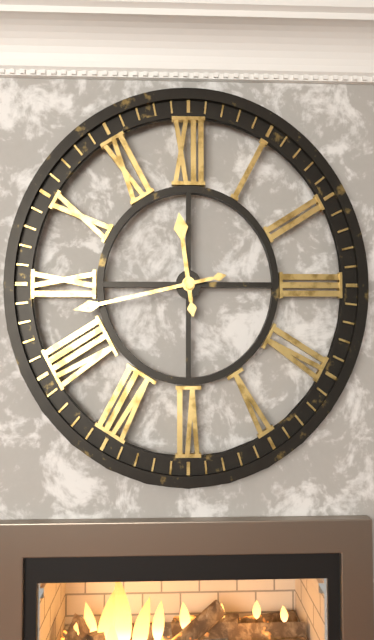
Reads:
{"hour": 11, "minute": 43}
